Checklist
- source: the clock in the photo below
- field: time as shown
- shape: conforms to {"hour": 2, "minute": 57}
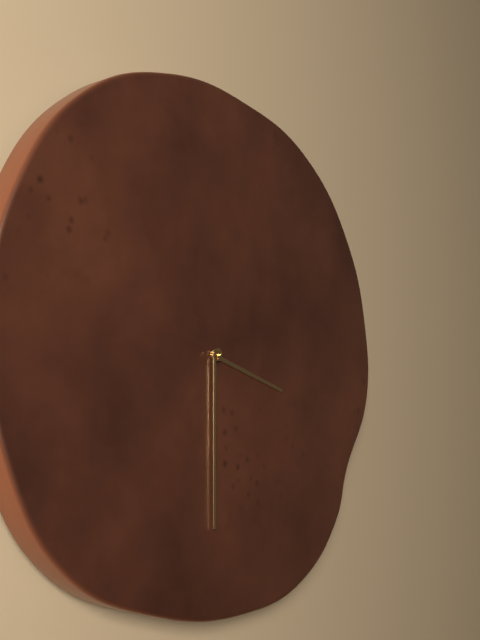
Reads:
{"hour": 3, "minute": 30}
